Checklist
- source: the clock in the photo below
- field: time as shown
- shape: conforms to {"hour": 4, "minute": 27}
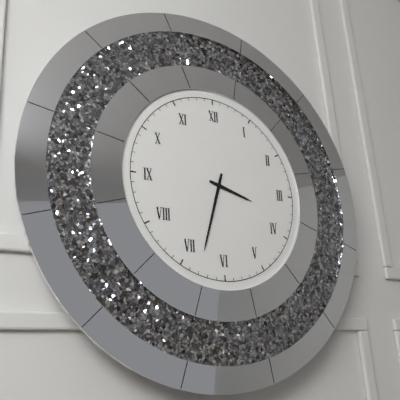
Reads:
{"hour": 3, "minute": 33}
